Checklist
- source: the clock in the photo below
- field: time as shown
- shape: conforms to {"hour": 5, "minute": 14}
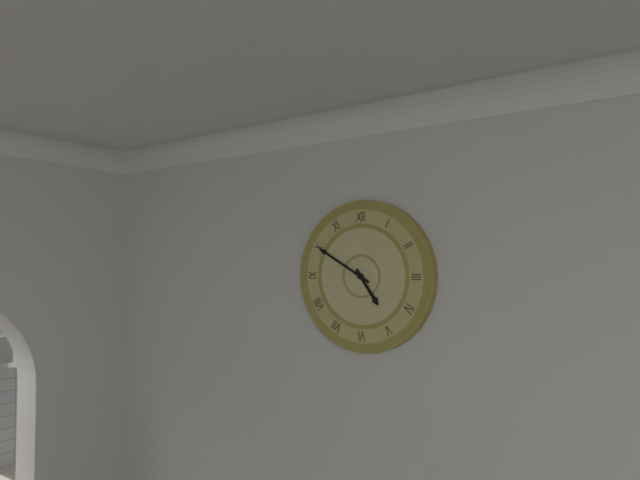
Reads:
{"hour": 4, "minute": 50}
